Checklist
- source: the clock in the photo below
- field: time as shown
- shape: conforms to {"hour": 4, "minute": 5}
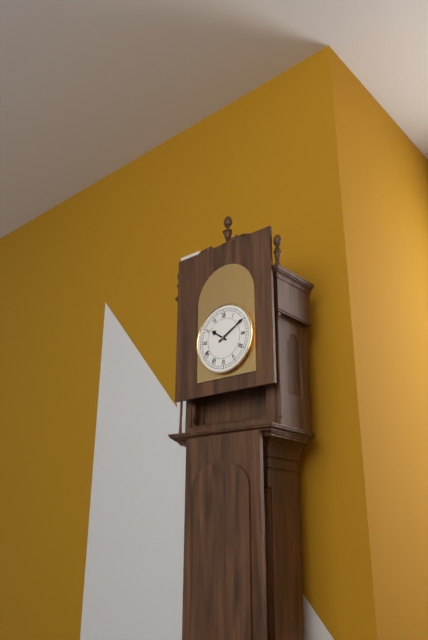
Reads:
{"hour": 10, "minute": 10}
